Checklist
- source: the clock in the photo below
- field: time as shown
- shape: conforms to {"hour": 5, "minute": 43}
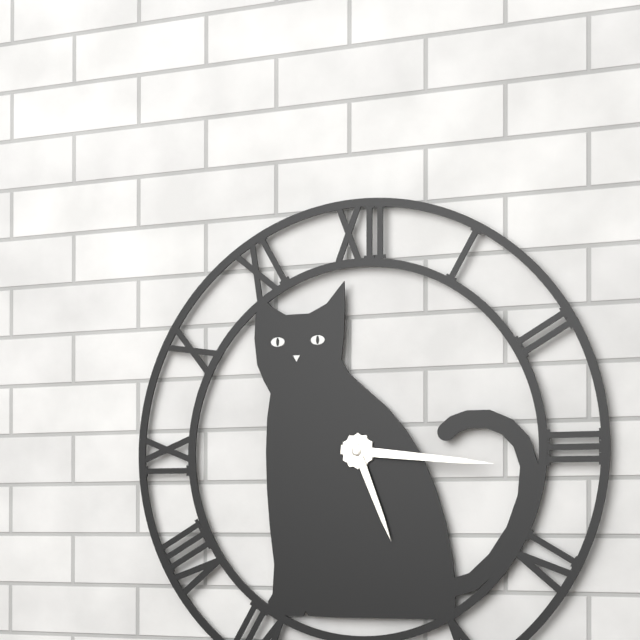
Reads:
{"hour": 5, "minute": 16}
